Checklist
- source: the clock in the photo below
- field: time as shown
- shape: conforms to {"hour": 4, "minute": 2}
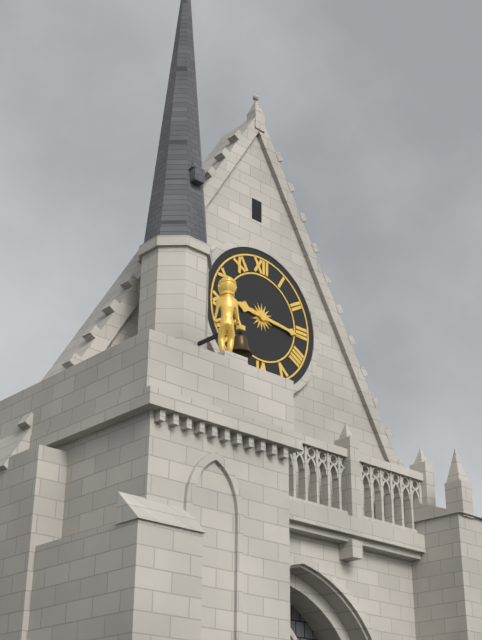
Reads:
{"hour": 9, "minute": 16}
